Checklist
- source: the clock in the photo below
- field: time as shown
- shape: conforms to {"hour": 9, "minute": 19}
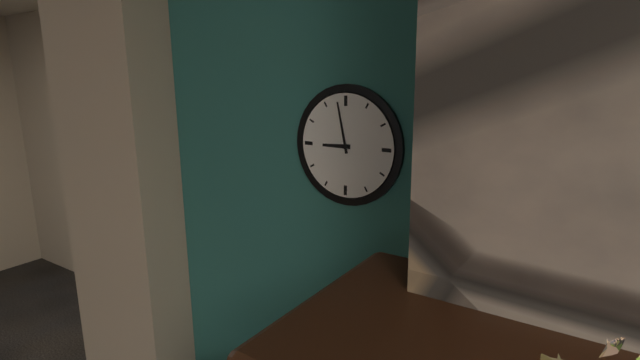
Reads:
{"hour": 8, "minute": 58}
